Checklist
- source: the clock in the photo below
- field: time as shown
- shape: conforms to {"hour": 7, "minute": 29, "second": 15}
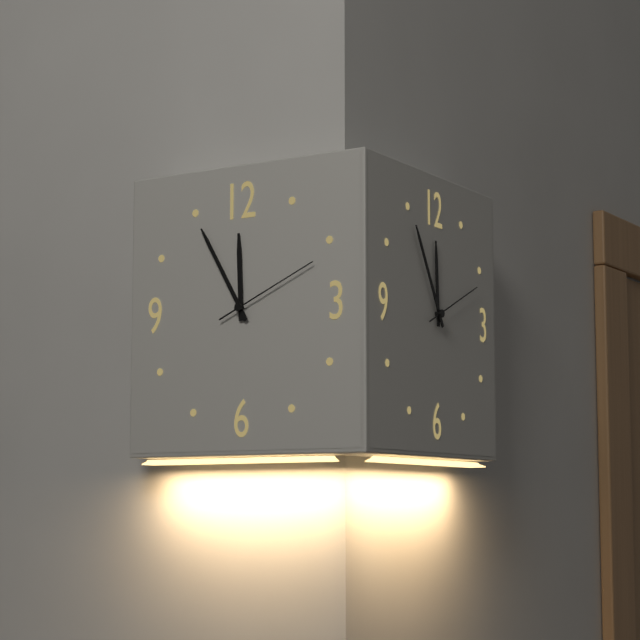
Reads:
{"hour": 11, "minute": 55, "second": 11}
